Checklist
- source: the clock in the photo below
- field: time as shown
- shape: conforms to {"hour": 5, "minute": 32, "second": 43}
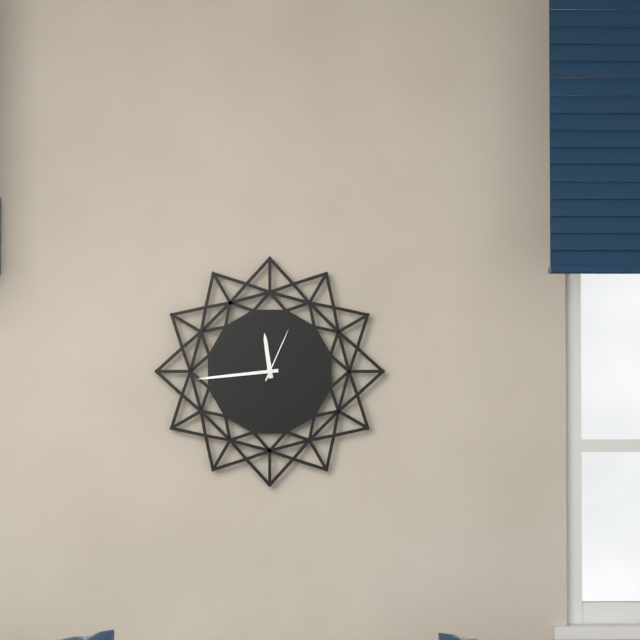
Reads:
{"hour": 11, "minute": 44, "second": 4}
